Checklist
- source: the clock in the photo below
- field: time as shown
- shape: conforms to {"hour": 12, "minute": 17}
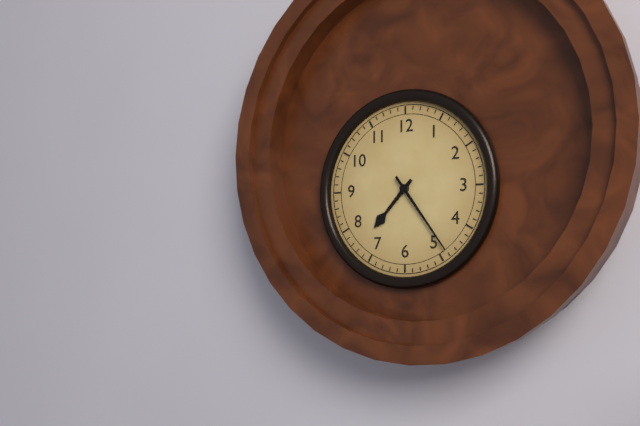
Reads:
{"hour": 7, "minute": 24}
